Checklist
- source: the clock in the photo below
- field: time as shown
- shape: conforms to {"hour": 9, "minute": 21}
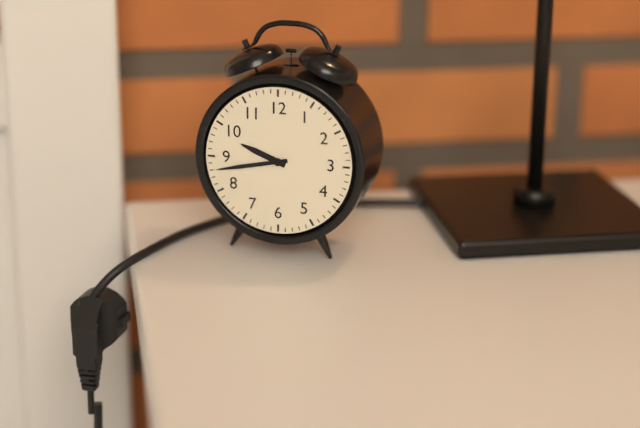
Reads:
{"hour": 9, "minute": 43}
